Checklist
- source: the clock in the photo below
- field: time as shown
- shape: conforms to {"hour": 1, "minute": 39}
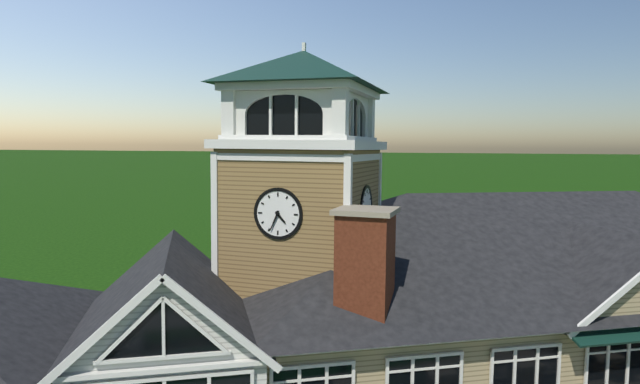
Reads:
{"hour": 4, "minute": 34}
